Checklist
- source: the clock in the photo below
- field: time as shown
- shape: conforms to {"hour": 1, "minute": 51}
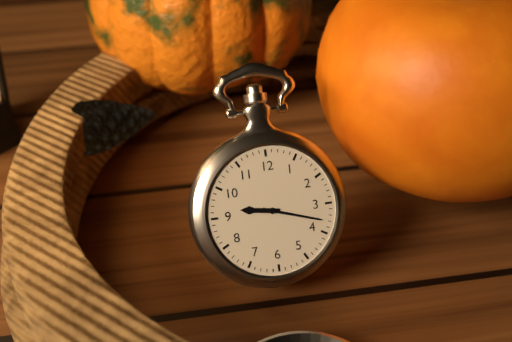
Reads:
{"hour": 9, "minute": 18}
